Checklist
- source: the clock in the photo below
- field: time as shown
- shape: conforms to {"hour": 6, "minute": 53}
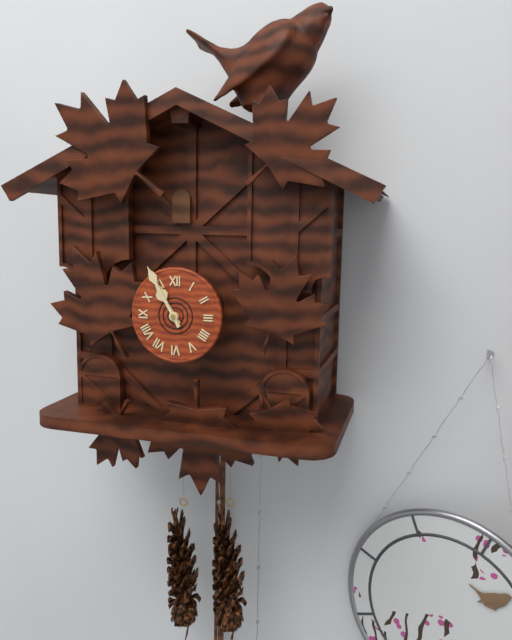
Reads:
{"hour": 10, "minute": 55}
